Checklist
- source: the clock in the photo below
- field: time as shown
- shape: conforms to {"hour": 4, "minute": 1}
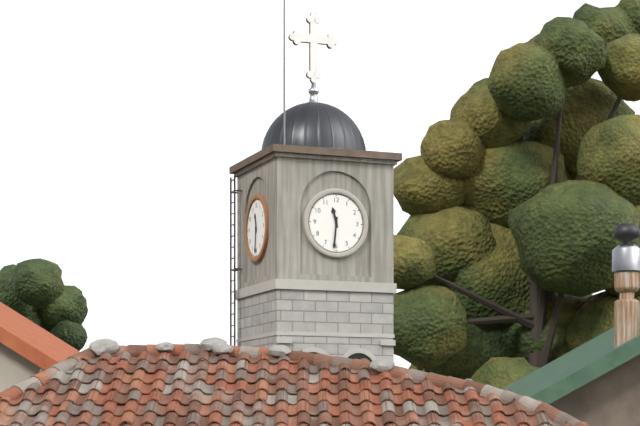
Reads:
{"hour": 11, "minute": 31}
